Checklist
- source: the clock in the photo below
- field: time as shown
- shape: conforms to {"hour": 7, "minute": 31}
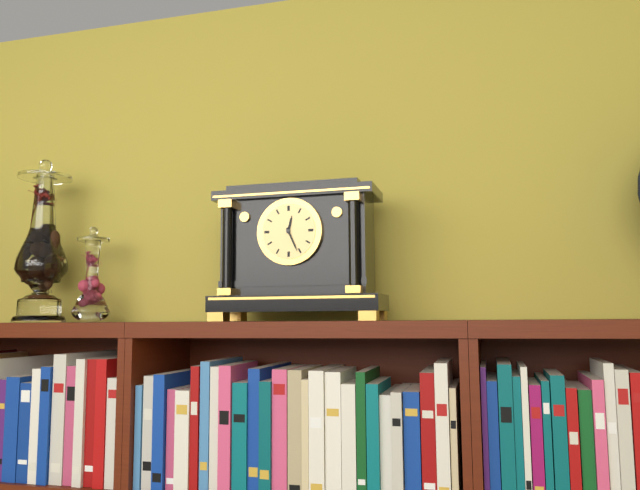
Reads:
{"hour": 12, "minute": 26}
